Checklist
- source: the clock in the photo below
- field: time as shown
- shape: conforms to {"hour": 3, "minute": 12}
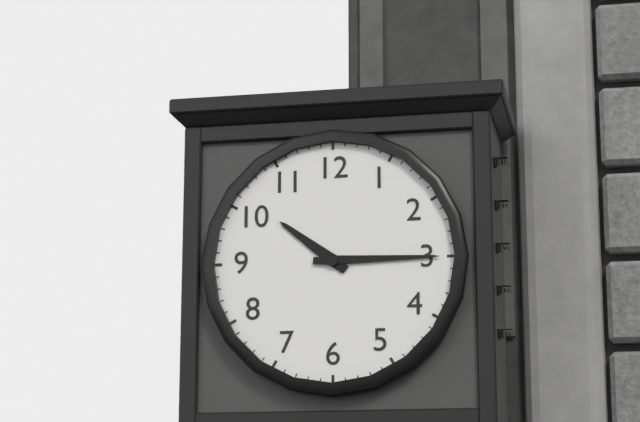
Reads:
{"hour": 10, "minute": 15}
